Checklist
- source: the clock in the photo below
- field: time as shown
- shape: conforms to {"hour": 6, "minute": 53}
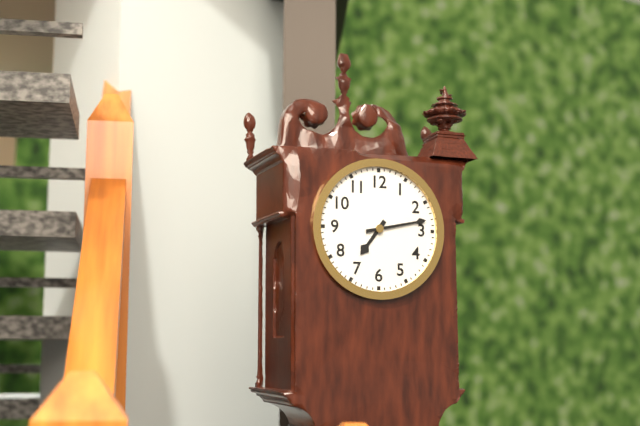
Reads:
{"hour": 7, "minute": 13}
